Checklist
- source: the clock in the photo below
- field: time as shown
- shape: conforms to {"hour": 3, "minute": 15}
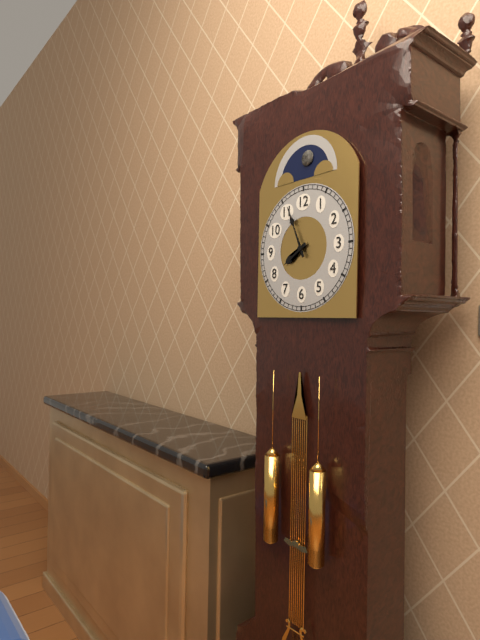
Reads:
{"hour": 7, "minute": 56}
